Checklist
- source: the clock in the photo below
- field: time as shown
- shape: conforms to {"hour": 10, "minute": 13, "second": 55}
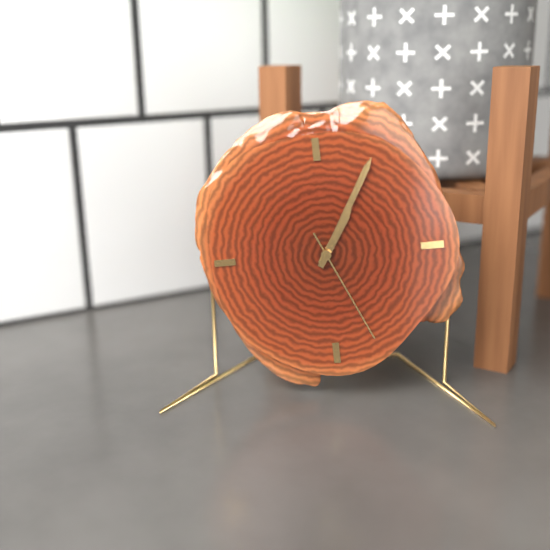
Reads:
{"hour": 1, "minute": 5, "second": 26}
